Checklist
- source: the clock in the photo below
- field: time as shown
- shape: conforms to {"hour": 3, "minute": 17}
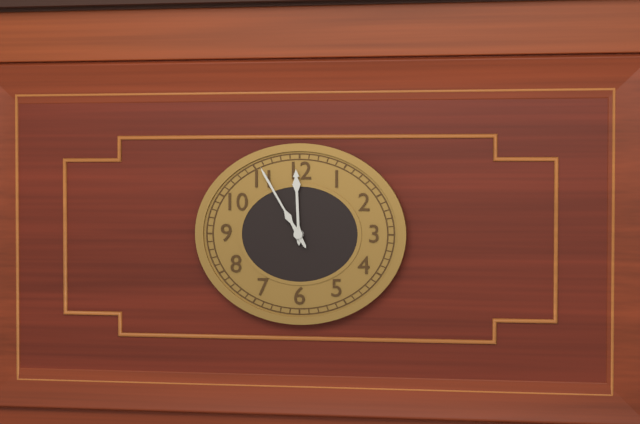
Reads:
{"hour": 11, "minute": 55}
